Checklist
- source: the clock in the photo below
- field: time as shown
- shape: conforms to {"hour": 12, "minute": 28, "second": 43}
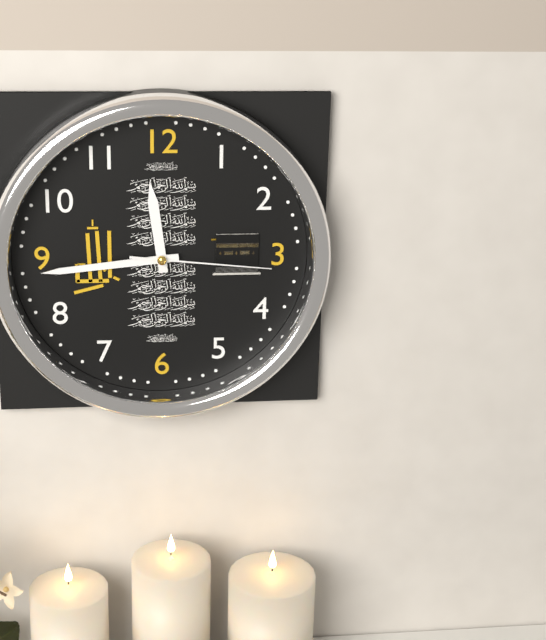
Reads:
{"hour": 11, "minute": 44, "second": 16}
